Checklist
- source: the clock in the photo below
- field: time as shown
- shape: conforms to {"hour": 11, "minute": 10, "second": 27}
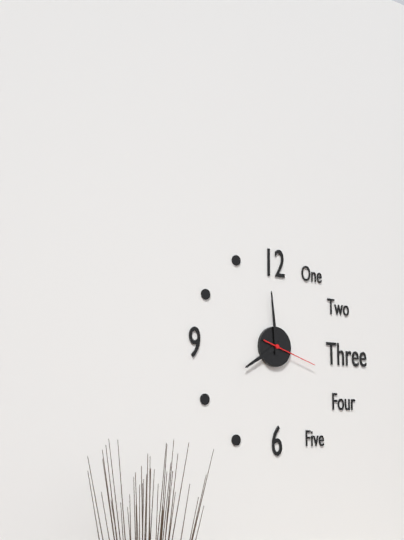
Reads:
{"hour": 7, "minute": 59, "second": 18}
